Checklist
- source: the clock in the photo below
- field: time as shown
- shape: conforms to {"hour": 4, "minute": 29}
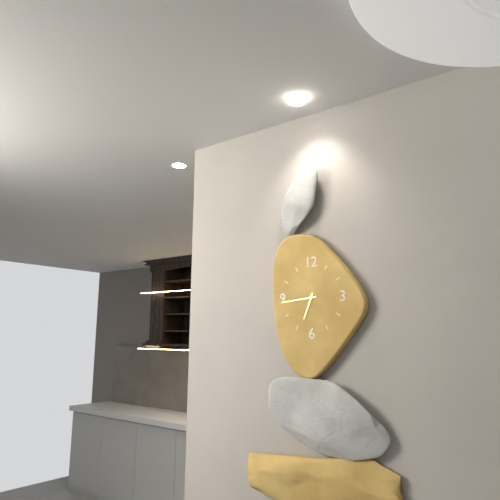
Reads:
{"hour": 6, "minute": 44}
